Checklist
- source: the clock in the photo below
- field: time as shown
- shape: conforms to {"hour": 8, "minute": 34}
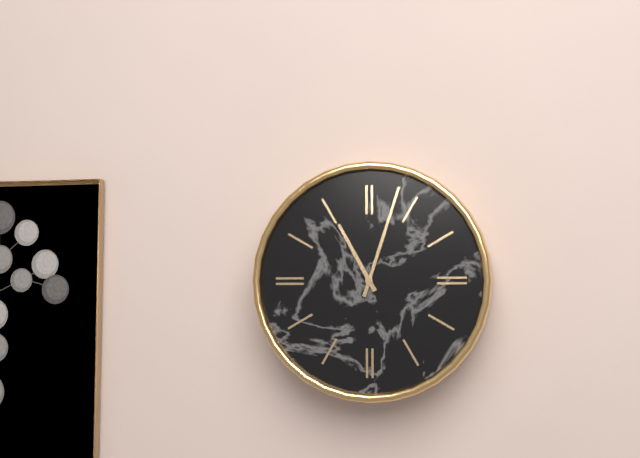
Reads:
{"hour": 11, "minute": 3}
